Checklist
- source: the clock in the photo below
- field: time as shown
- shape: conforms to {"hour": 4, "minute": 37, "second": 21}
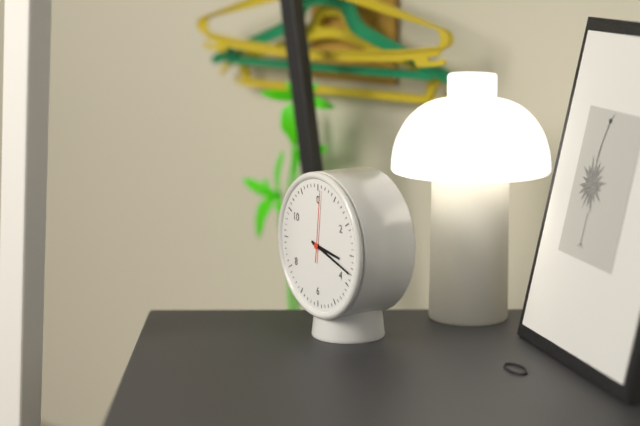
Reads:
{"hour": 3, "minute": 18, "second": 1}
